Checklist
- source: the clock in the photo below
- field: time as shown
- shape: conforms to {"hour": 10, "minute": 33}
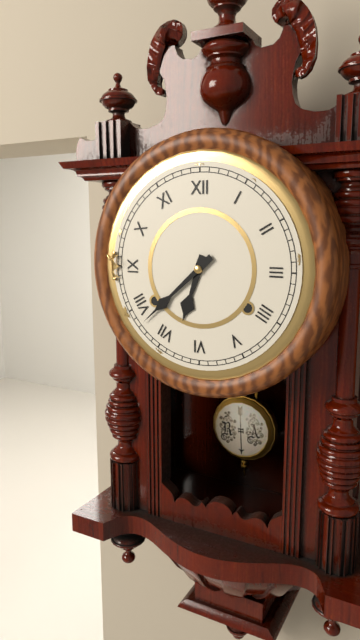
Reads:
{"hour": 6, "minute": 38}
